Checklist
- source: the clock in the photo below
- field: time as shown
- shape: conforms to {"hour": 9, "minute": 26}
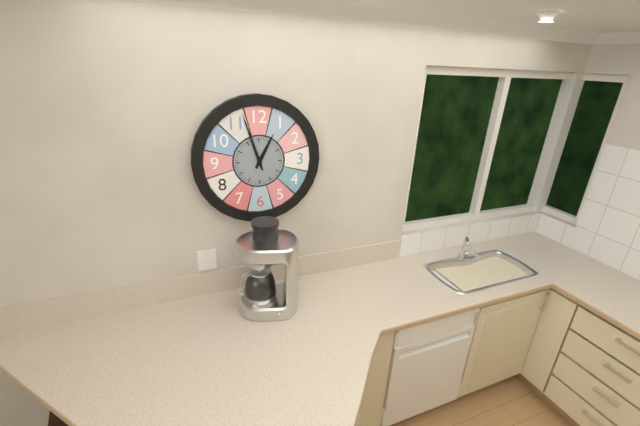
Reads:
{"hour": 12, "minute": 57}
